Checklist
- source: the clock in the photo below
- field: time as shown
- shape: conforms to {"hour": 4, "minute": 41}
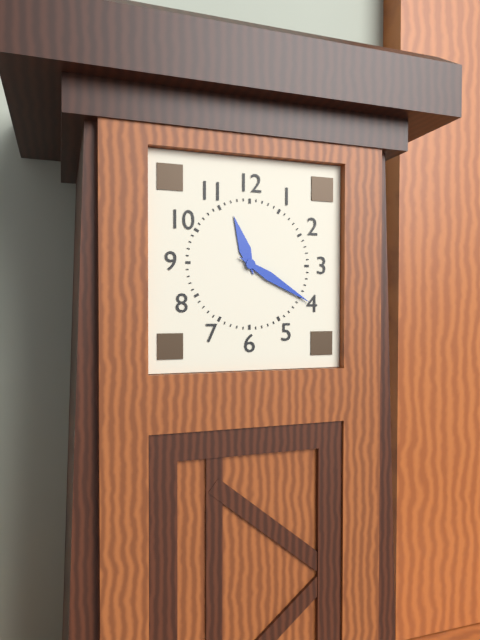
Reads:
{"hour": 11, "minute": 20}
